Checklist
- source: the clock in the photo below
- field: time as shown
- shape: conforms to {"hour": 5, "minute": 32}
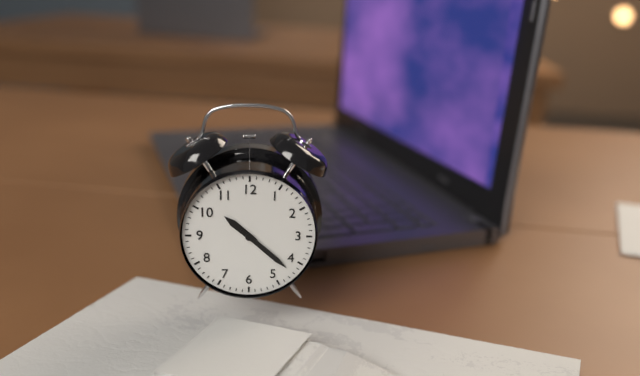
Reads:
{"hour": 10, "minute": 22}
